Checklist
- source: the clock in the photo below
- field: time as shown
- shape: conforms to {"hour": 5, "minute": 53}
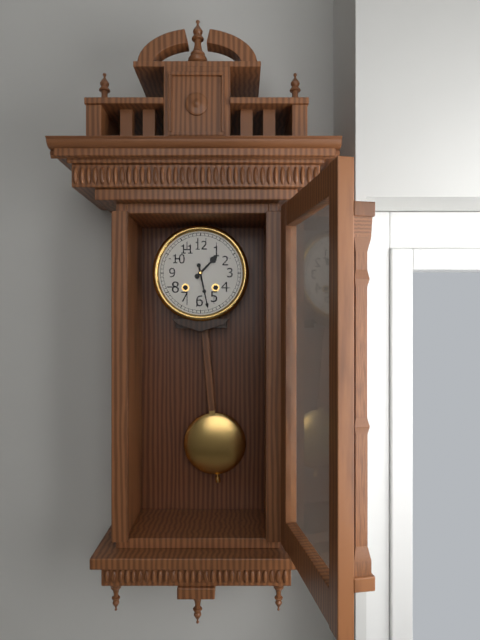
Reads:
{"hour": 1, "minute": 28}
